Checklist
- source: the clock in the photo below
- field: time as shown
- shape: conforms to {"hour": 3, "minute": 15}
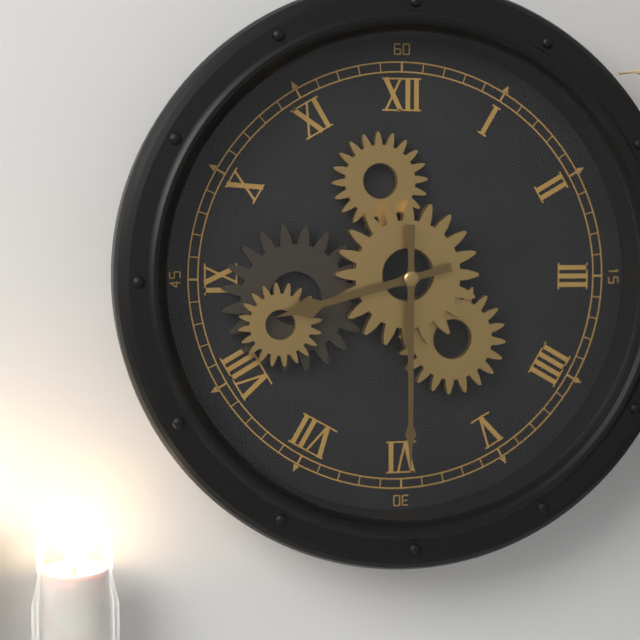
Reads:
{"hour": 8, "minute": 30}
